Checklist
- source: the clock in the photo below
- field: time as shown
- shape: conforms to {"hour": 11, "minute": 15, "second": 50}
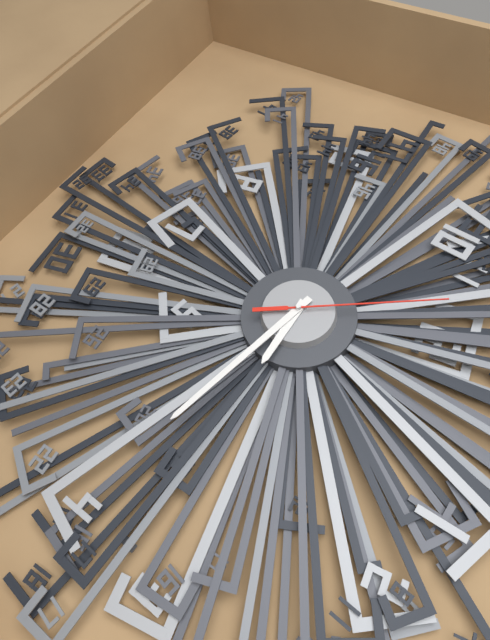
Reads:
{"hour": 3, "minute": 19, "second": 56}
